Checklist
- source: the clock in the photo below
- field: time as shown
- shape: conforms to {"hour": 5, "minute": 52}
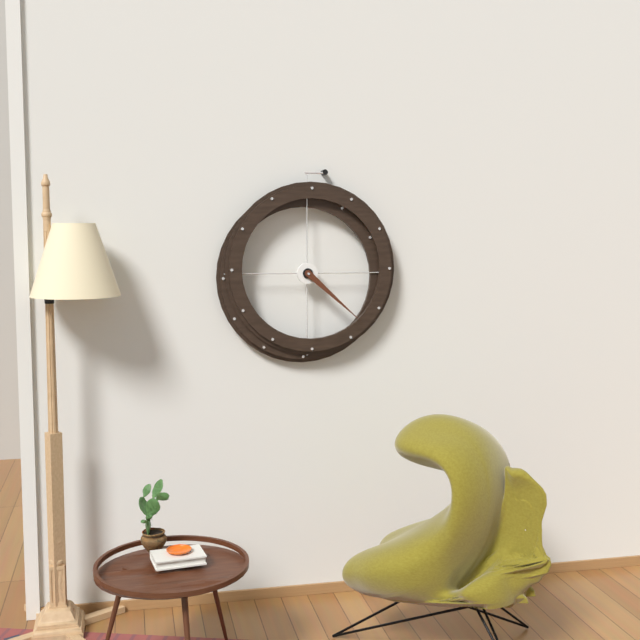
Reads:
{"hour": 4, "minute": 22}
